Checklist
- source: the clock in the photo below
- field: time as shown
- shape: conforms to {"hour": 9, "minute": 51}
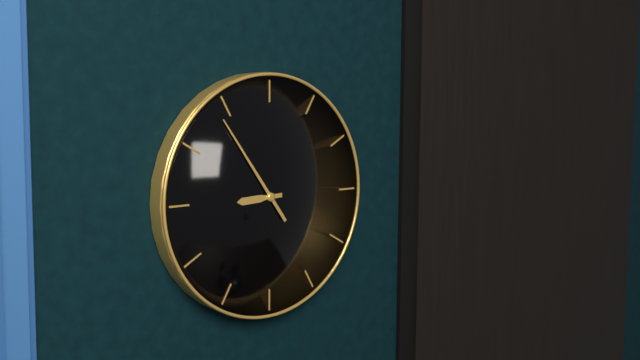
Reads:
{"hour": 8, "minute": 54}
